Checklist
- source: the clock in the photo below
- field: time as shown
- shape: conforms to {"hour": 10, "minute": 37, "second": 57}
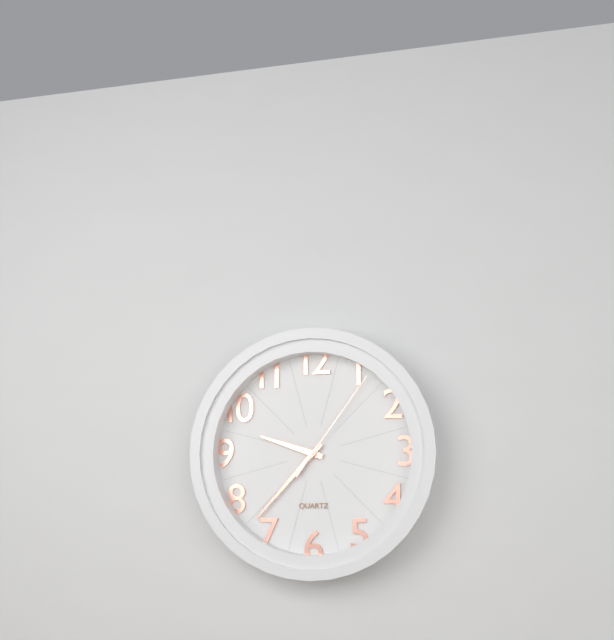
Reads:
{"hour": 9, "minute": 37, "second": 6}
